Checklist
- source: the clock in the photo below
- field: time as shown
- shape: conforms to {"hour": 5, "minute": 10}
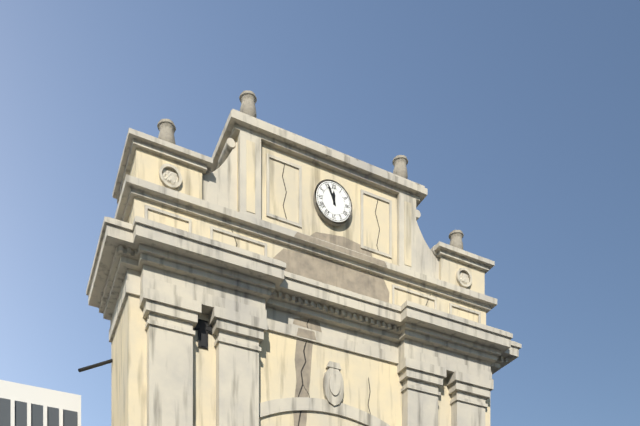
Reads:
{"hour": 11, "minute": 56}
